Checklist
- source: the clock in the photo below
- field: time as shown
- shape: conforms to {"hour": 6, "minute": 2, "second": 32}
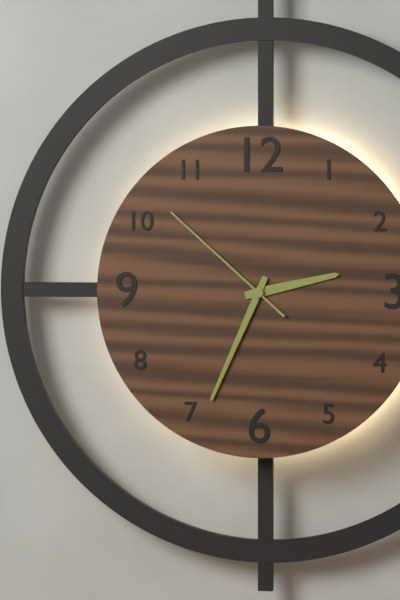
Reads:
{"hour": 2, "minute": 34, "second": 52}
